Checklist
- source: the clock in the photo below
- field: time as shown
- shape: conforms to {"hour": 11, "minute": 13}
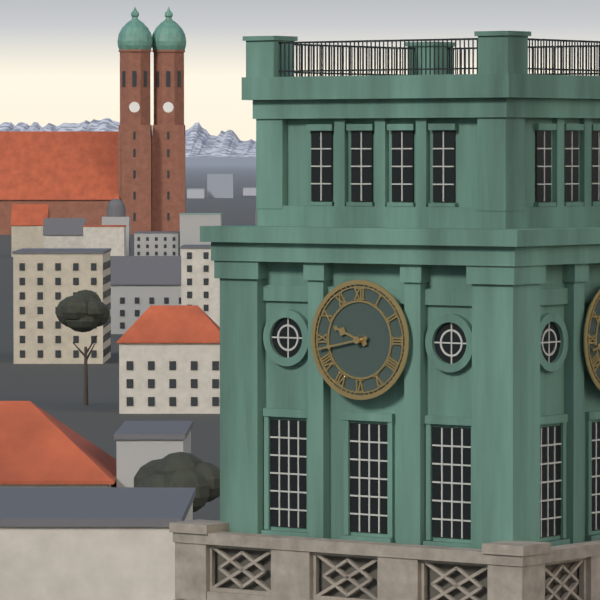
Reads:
{"hour": 9, "minute": 43}
